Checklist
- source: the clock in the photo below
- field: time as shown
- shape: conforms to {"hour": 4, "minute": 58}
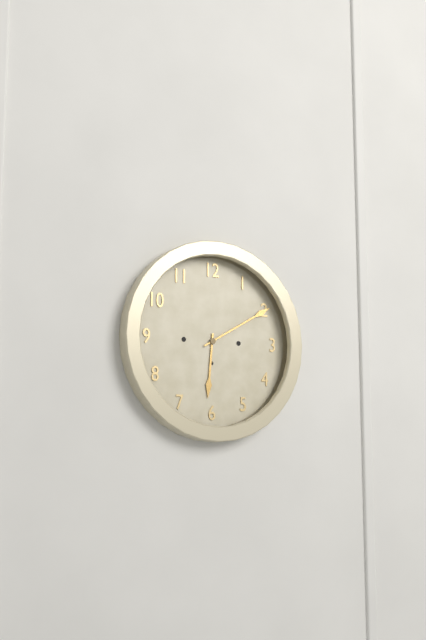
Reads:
{"hour": 6, "minute": 10}
